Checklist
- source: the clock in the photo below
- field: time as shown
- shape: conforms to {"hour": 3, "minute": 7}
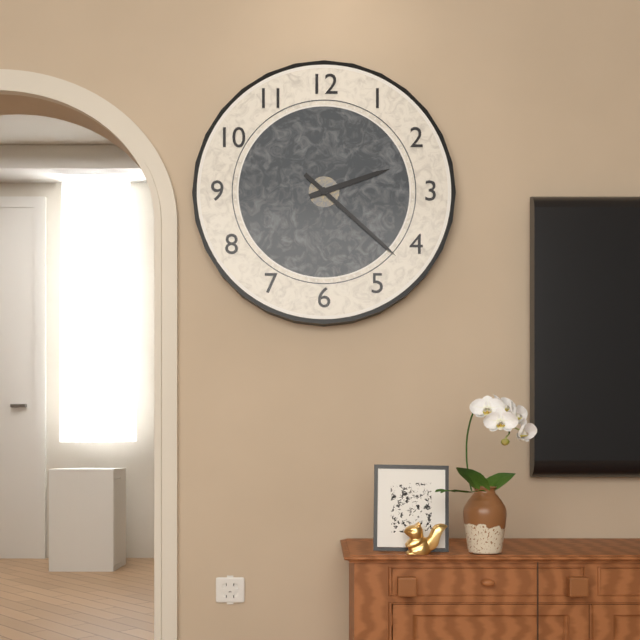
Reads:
{"hour": 2, "minute": 22}
